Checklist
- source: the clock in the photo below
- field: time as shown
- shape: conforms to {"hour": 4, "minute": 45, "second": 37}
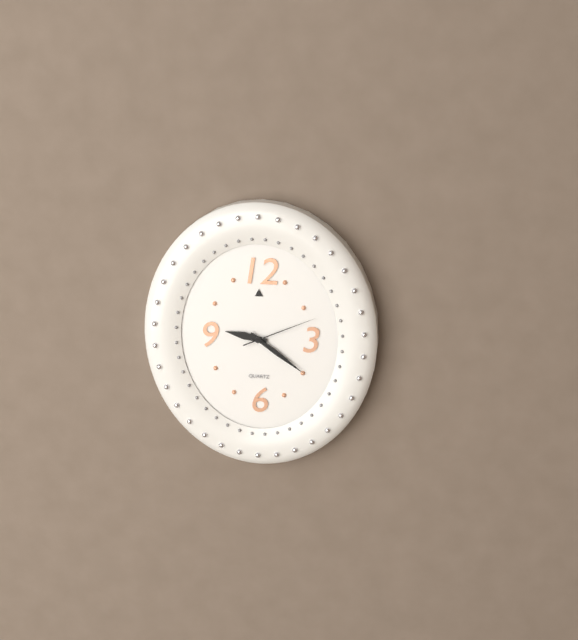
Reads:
{"hour": 9, "minute": 21, "second": 11}
